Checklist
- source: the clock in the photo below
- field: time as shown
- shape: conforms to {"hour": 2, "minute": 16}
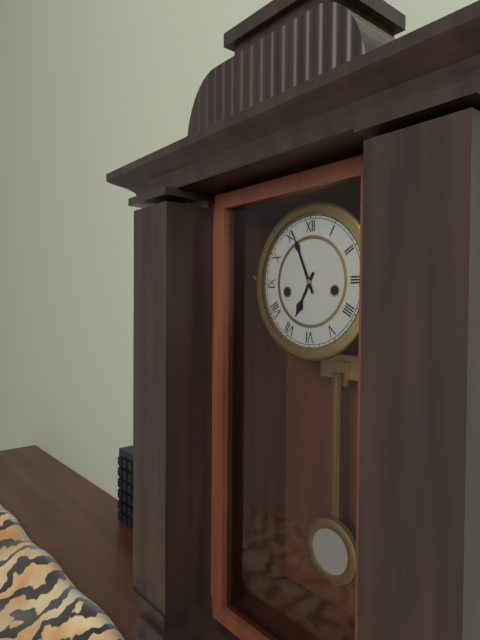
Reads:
{"hour": 6, "minute": 56}
